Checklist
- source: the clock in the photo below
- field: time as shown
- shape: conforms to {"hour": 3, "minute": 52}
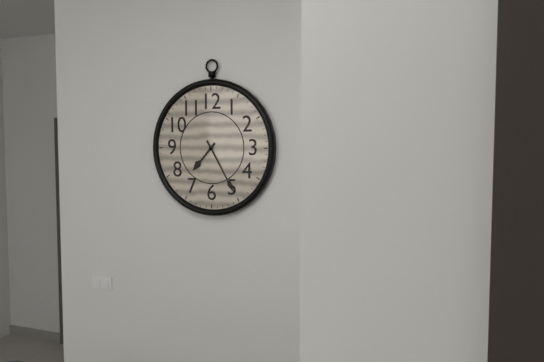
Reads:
{"hour": 7, "minute": 25}
